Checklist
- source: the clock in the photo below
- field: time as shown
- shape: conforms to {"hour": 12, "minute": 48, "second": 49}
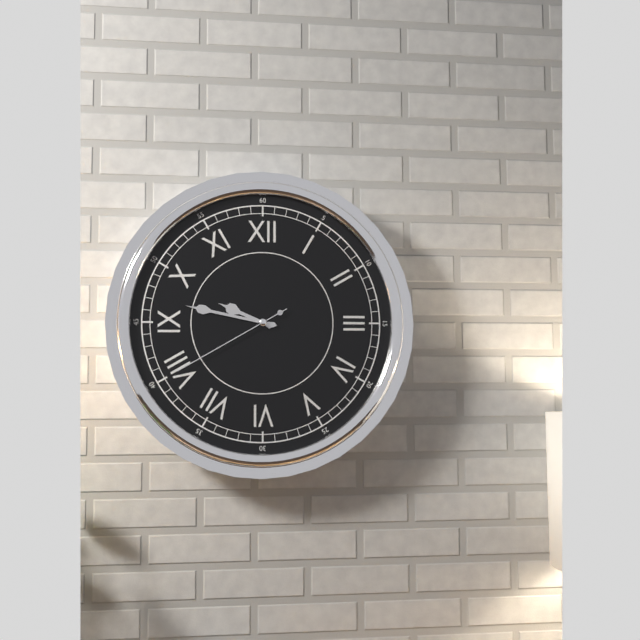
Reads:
{"hour": 9, "minute": 47, "second": 40}
